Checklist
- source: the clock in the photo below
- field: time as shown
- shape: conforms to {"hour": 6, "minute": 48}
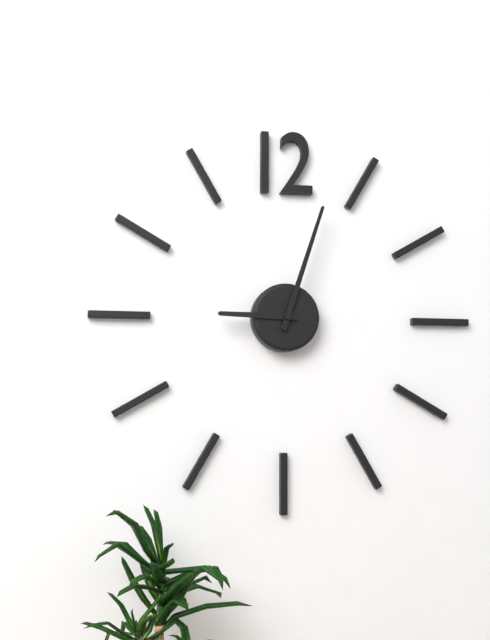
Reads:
{"hour": 9, "minute": 3}
